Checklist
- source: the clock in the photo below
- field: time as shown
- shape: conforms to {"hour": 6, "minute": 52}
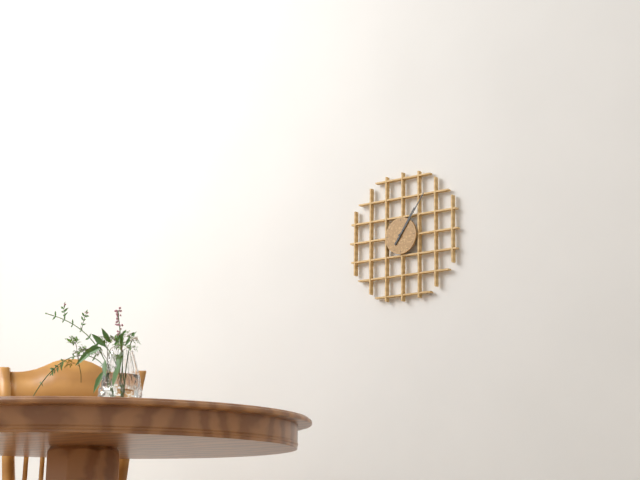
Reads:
{"hour": 1, "minute": 6}
